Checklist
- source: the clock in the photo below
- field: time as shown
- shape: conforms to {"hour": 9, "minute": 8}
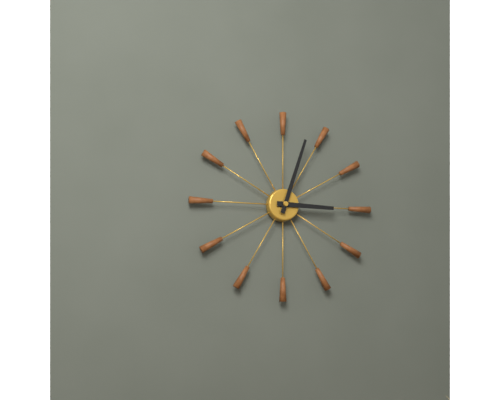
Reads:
{"hour": 3, "minute": 3}
